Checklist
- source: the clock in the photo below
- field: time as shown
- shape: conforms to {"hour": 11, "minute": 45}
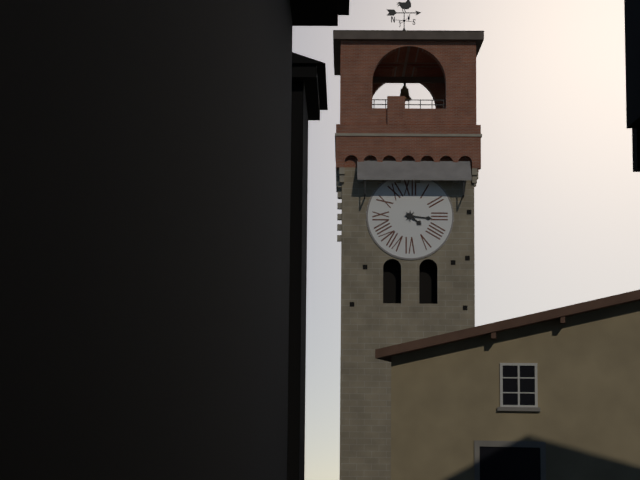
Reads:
{"hour": 4, "minute": 16}
